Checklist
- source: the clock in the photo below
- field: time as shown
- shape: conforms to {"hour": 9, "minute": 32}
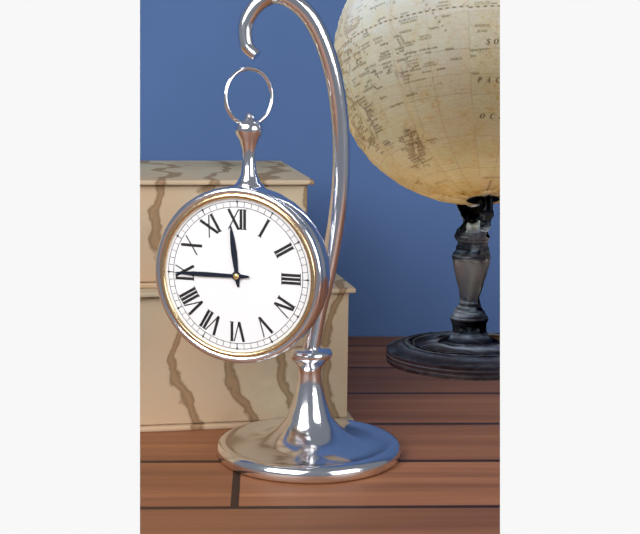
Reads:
{"hour": 11, "minute": 45}
